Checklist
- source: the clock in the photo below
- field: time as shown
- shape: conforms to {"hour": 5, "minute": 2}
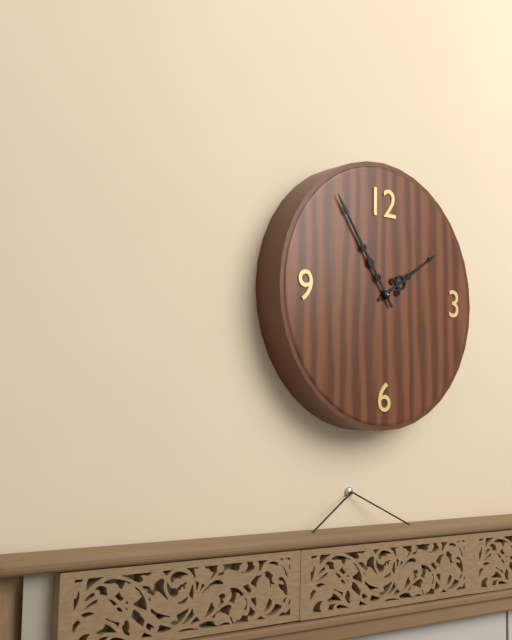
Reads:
{"hour": 1, "minute": 54}
